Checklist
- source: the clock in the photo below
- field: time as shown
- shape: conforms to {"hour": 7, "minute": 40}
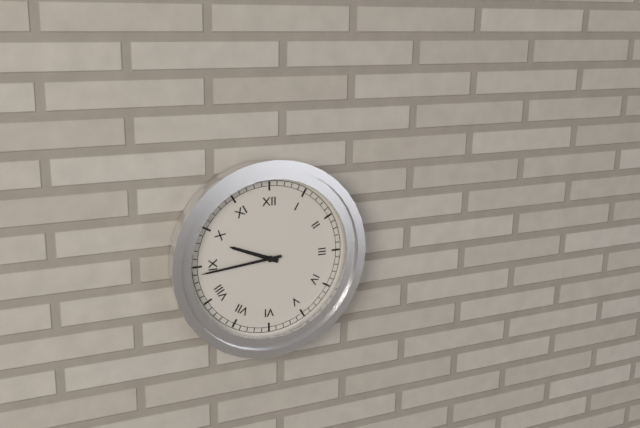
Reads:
{"hour": 9, "minute": 44}
